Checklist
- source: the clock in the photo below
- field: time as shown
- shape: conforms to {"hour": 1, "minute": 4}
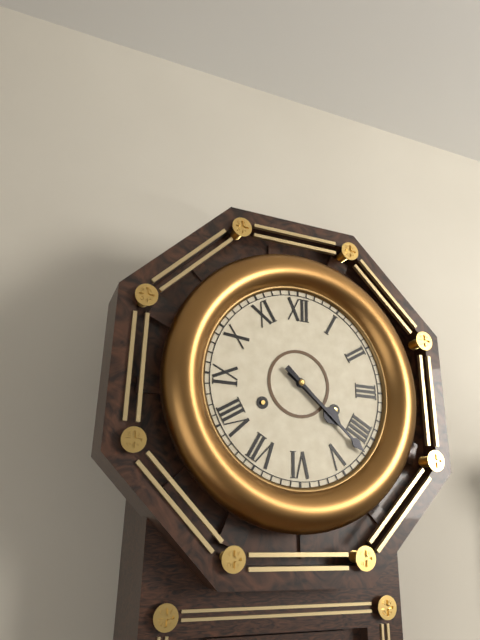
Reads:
{"hour": 4, "minute": 22}
